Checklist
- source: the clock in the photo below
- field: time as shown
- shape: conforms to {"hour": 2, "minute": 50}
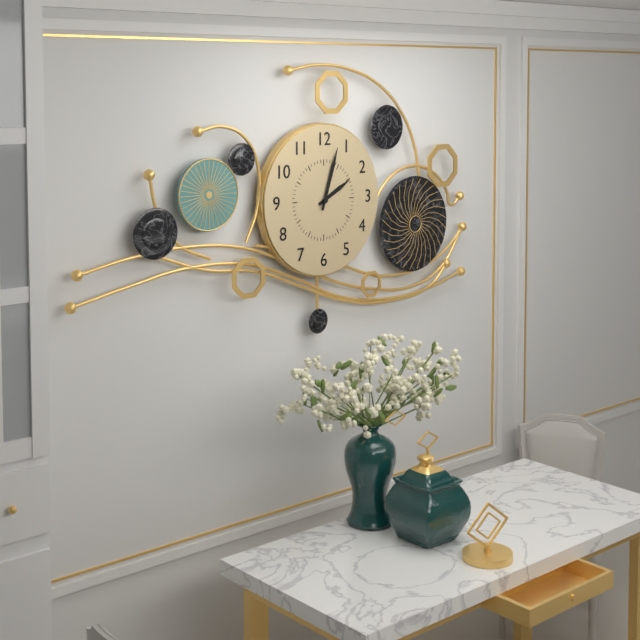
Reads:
{"hour": 2, "minute": 3}
